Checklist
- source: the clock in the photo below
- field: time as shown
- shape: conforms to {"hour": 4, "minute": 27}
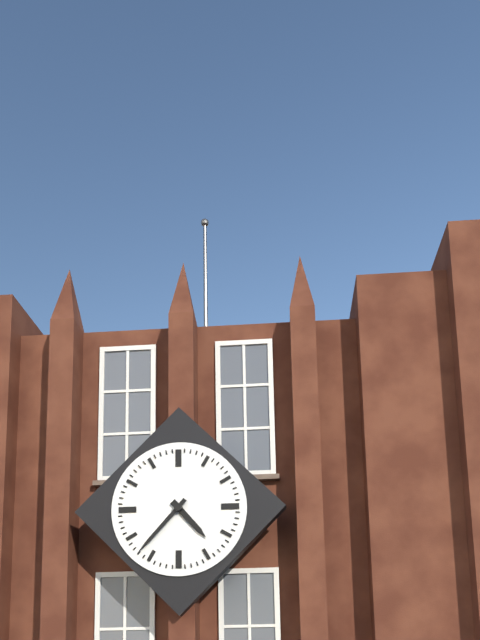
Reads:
{"hour": 4, "minute": 37}
